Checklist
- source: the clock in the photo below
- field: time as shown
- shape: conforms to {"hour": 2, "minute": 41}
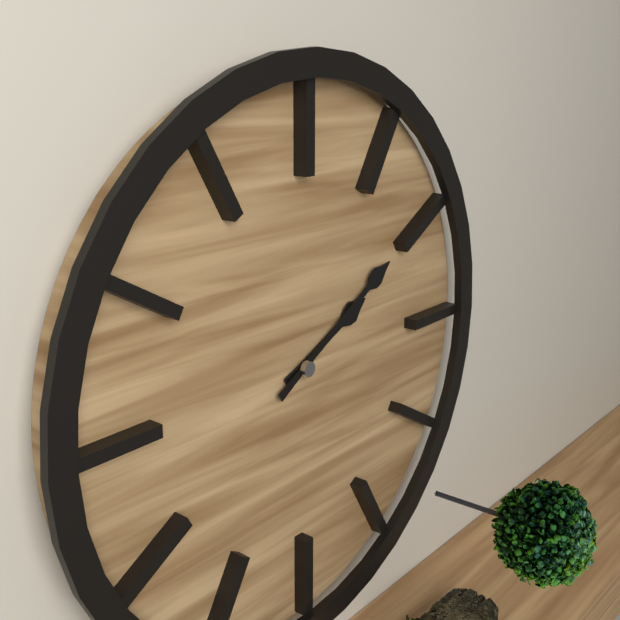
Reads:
{"hour": 2, "minute": 10}
